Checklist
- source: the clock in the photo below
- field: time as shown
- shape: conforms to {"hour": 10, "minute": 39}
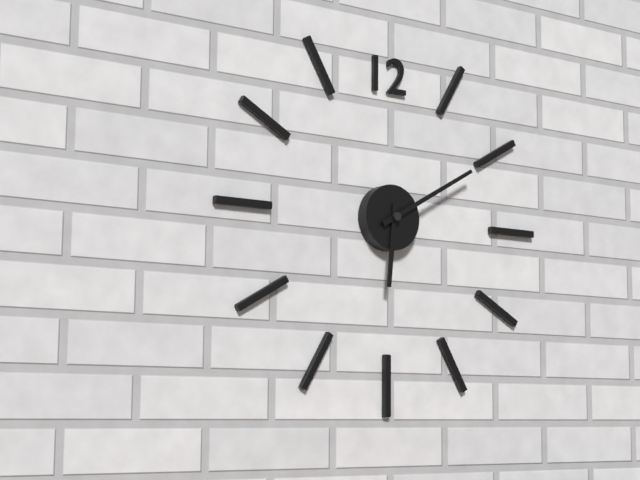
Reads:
{"hour": 6, "minute": 10}
